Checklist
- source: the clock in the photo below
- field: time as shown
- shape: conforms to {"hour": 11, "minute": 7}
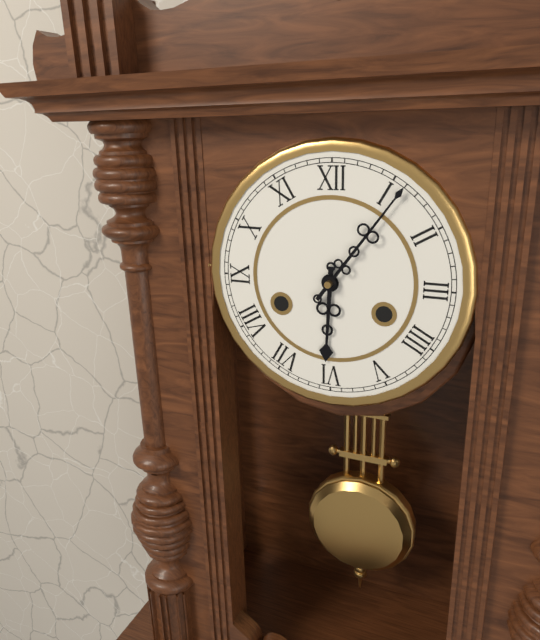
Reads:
{"hour": 6, "minute": 6}
